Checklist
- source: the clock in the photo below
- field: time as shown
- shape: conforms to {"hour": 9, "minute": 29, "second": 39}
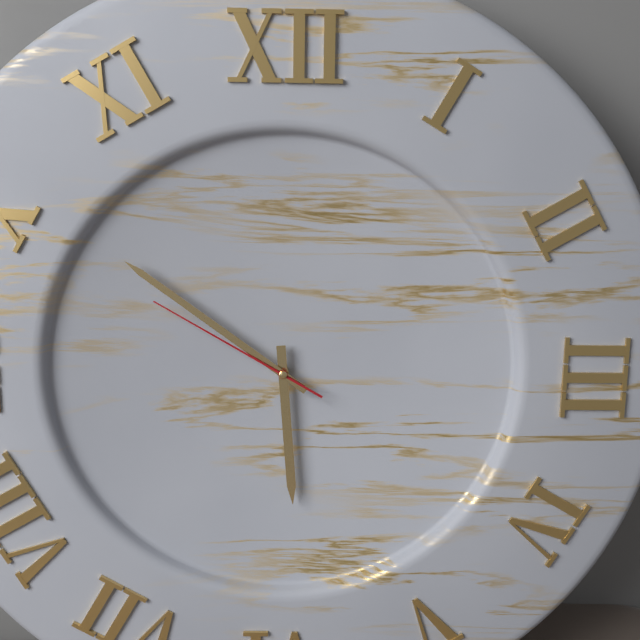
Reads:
{"hour": 5, "minute": 51, "second": 50}
